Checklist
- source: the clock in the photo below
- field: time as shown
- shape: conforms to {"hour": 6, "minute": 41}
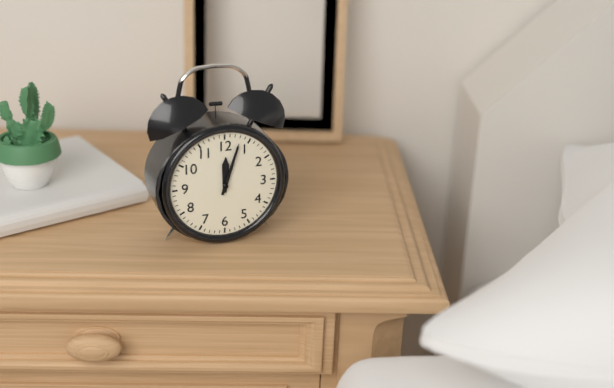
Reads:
{"hour": 12, "minute": 3}
